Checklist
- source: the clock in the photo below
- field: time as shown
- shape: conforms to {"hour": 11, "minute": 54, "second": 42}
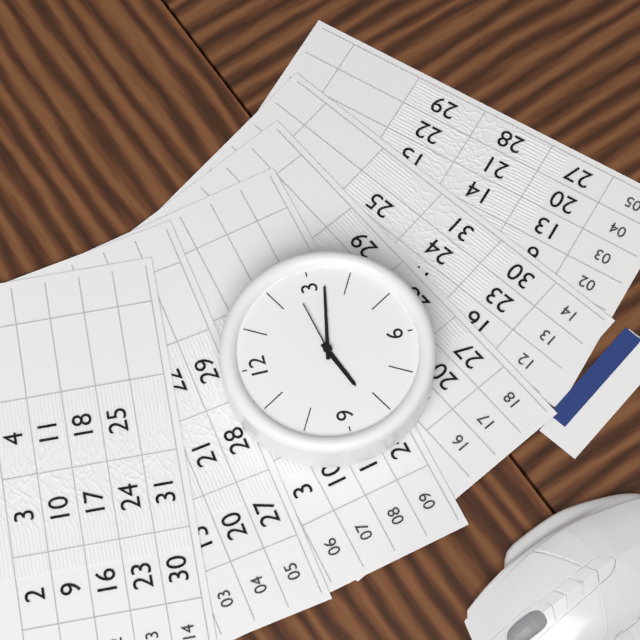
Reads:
{"hour": 8, "minute": 17, "second": 13}
